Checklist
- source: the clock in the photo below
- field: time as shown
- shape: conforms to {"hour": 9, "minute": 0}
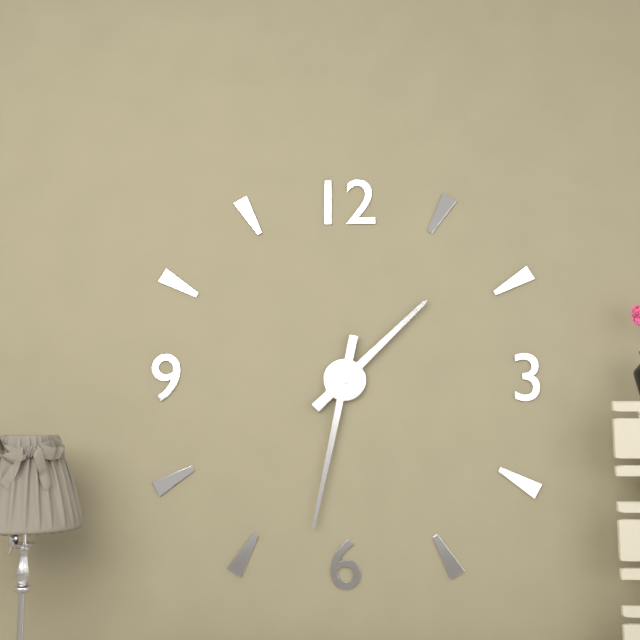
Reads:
{"hour": 1, "minute": 32}
